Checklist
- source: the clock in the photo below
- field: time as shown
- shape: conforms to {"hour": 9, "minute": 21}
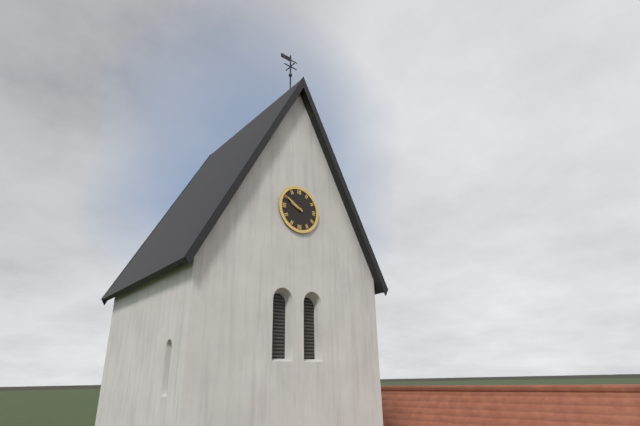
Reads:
{"hour": 9, "minute": 50}
